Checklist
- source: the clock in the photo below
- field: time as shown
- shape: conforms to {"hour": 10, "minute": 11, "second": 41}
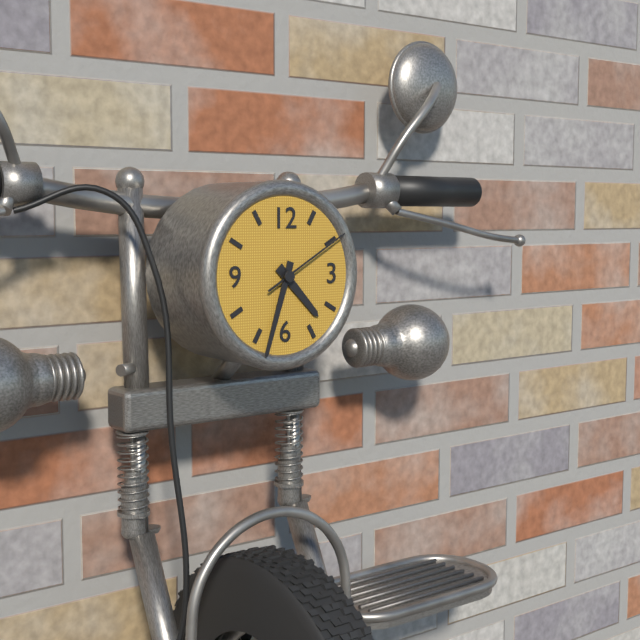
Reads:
{"hour": 4, "minute": 33, "second": 10}
